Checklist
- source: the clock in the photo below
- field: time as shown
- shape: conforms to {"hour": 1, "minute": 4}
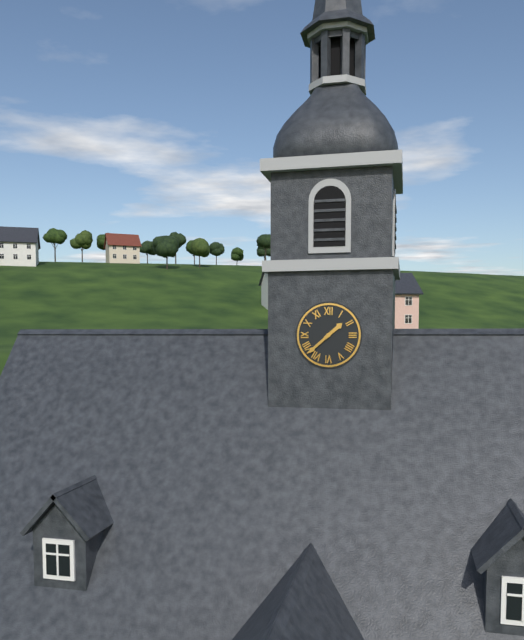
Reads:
{"hour": 1, "minute": 38}
